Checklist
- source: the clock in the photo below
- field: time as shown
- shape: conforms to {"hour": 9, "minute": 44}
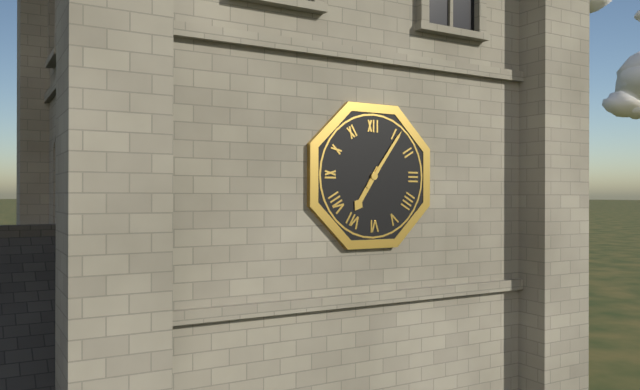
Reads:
{"hour": 7, "minute": 6}
